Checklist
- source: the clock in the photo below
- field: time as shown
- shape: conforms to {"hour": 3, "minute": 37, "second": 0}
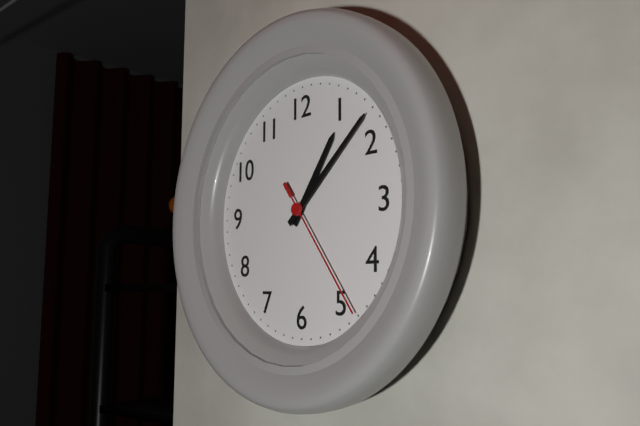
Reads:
{"hour": 1, "minute": 8, "second": 24}
